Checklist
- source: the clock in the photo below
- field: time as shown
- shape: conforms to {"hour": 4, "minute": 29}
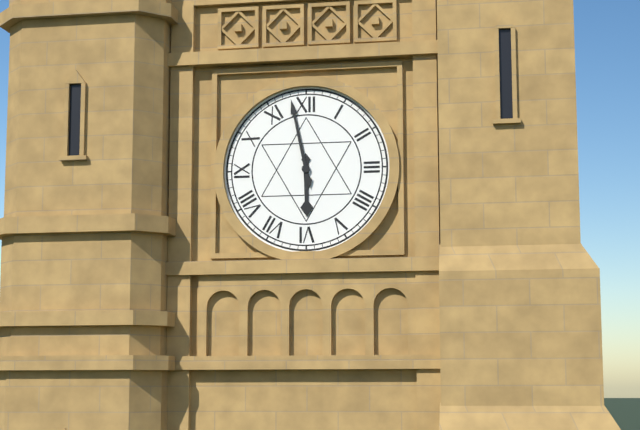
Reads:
{"hour": 5, "minute": 58}
